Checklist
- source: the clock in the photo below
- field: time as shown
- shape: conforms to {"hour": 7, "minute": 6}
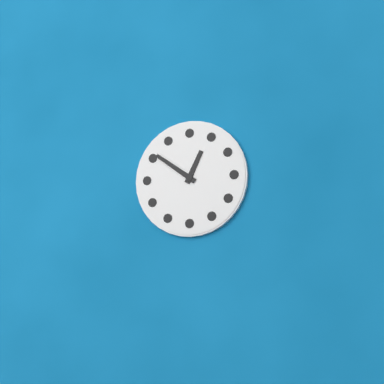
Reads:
{"hour": 12, "minute": 51}
